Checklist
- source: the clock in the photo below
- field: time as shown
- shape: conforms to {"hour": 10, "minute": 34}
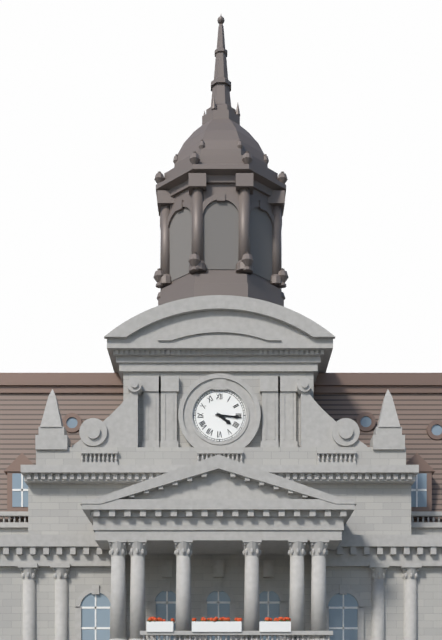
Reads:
{"hour": 4, "minute": 16}
